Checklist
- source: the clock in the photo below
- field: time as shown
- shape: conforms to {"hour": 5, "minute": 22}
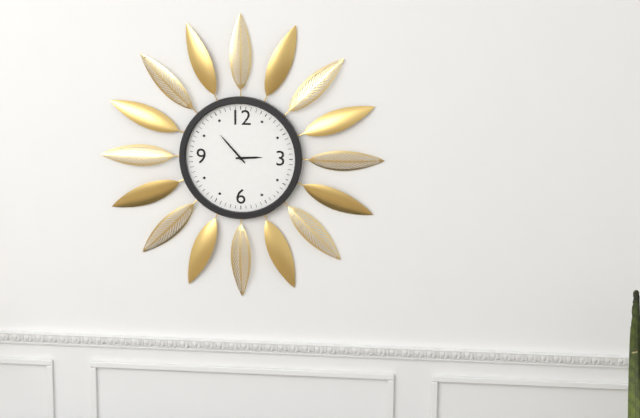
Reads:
{"hour": 2, "minute": 53}
